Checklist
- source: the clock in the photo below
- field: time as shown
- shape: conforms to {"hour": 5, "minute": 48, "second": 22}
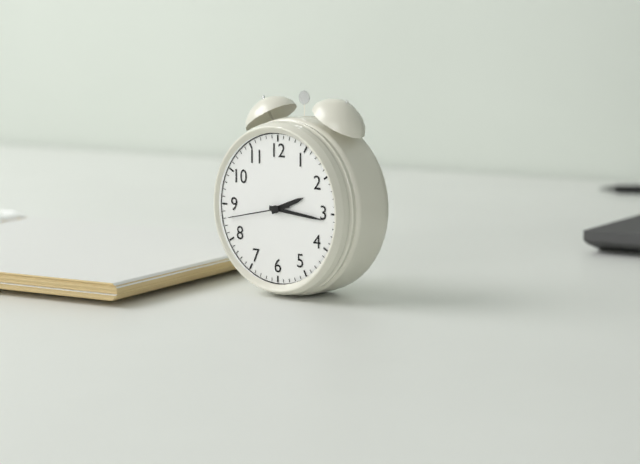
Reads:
{"hour": 2, "minute": 16, "second": 43}
